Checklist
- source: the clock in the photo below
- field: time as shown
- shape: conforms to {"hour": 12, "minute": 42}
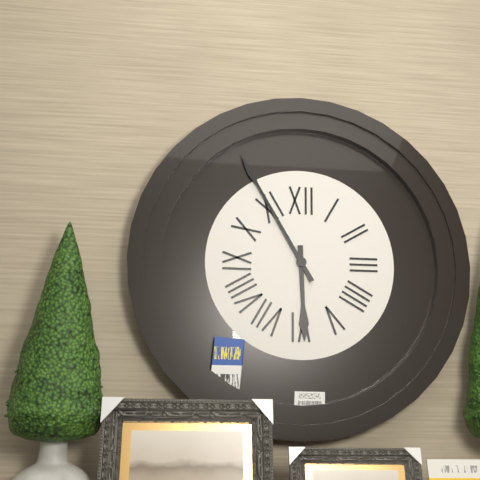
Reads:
{"hour": 5, "minute": 55}
